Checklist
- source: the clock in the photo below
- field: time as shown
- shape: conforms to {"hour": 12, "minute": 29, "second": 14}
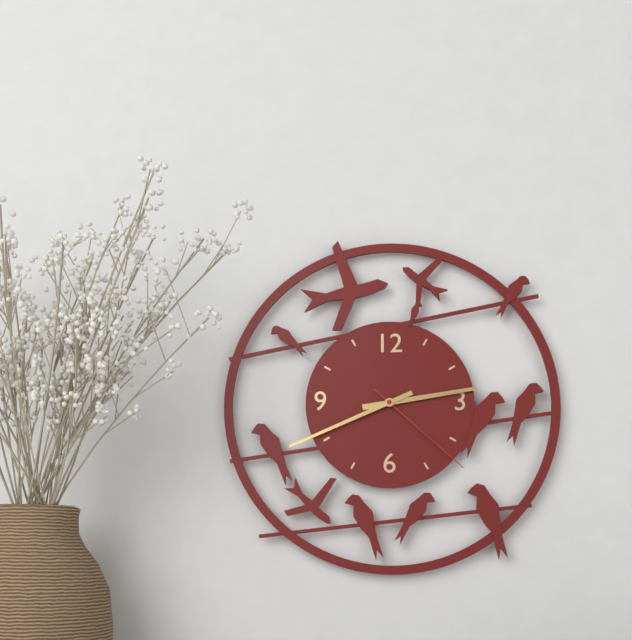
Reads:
{"hour": 2, "minute": 41, "second": 22}
